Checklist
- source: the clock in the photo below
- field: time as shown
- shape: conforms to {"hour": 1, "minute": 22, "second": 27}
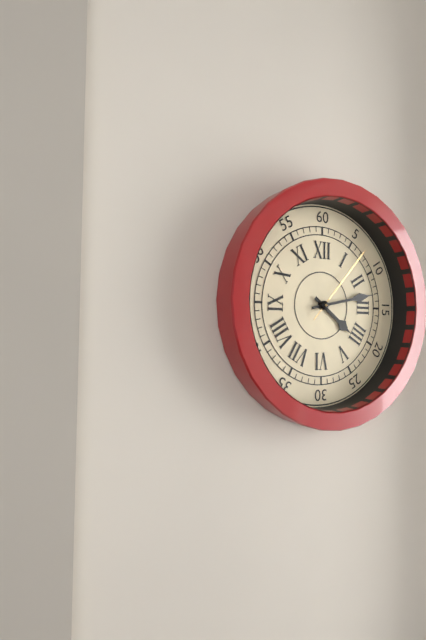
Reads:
{"hour": 4, "minute": 13, "second": 7}
